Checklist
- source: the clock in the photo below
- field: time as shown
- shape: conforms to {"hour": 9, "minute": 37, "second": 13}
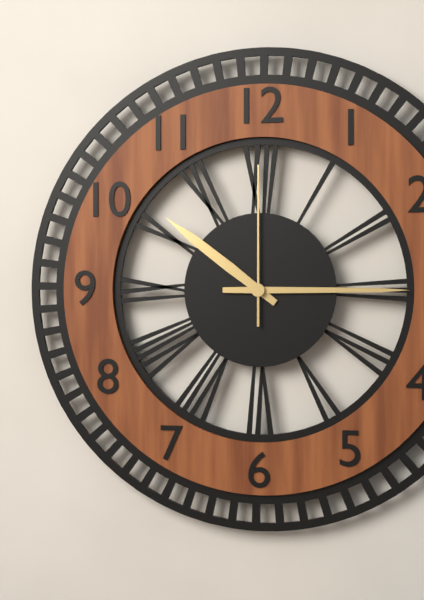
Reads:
{"hour": 10, "minute": 15, "second": 0}
